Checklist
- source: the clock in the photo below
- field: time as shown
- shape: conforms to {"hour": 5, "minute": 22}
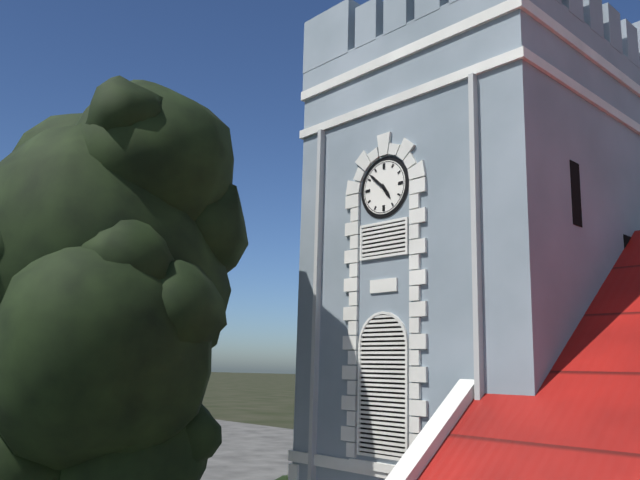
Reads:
{"hour": 4, "minute": 52}
